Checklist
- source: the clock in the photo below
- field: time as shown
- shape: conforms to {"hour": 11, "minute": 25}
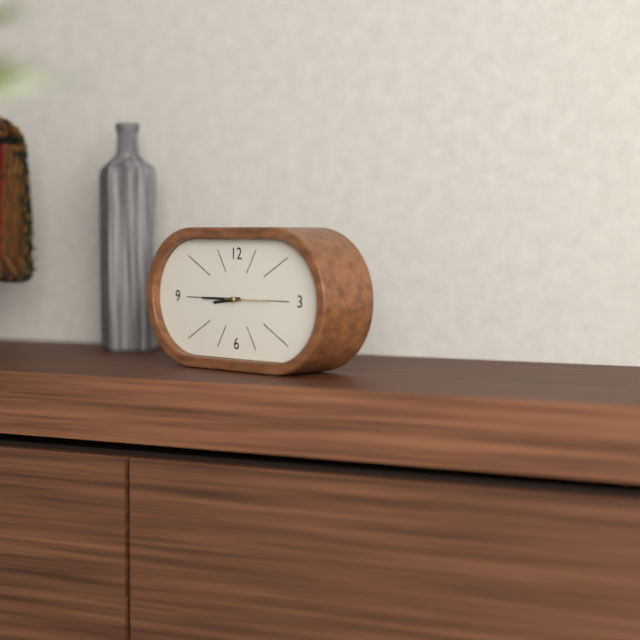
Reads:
{"hour": 8, "minute": 45}
